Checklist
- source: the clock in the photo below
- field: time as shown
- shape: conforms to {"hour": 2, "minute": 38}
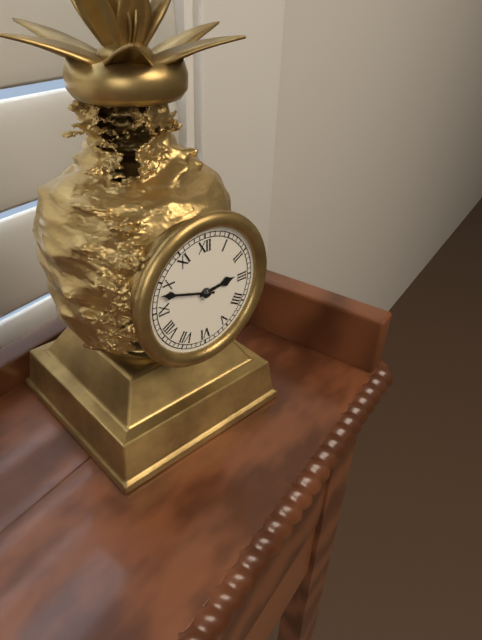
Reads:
{"hour": 2, "minute": 48}
